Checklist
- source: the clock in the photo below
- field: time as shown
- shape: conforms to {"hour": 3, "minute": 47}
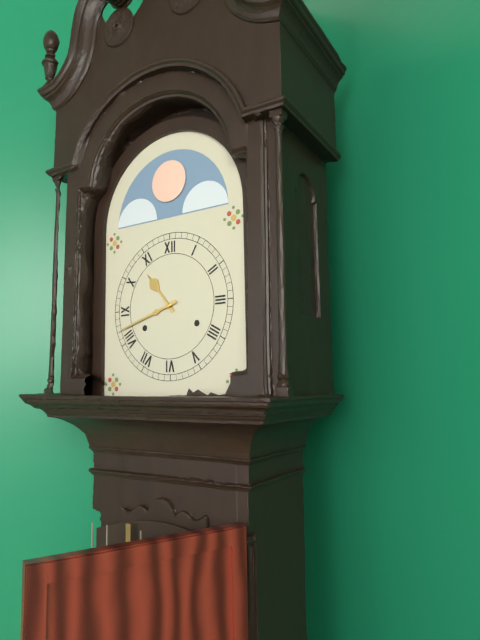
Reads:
{"hour": 10, "minute": 42}
